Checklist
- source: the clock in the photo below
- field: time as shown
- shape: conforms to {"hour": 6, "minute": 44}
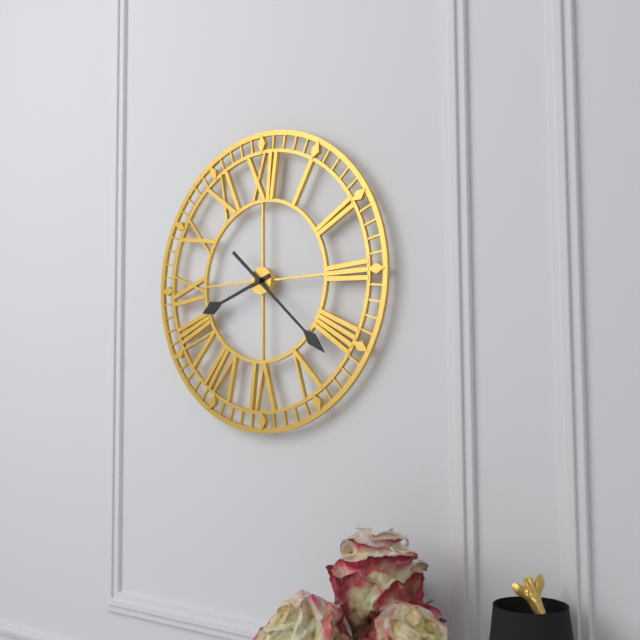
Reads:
{"hour": 8, "minute": 22}
